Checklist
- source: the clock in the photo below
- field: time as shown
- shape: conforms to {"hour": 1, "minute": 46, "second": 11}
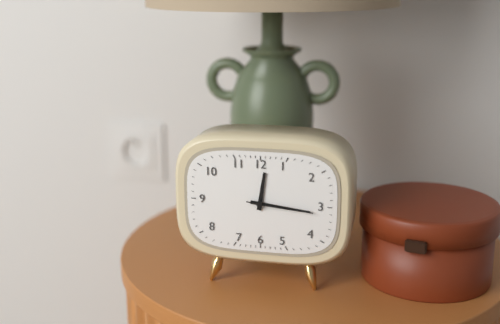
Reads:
{"hour": 12, "minute": 16, "second": 16}
